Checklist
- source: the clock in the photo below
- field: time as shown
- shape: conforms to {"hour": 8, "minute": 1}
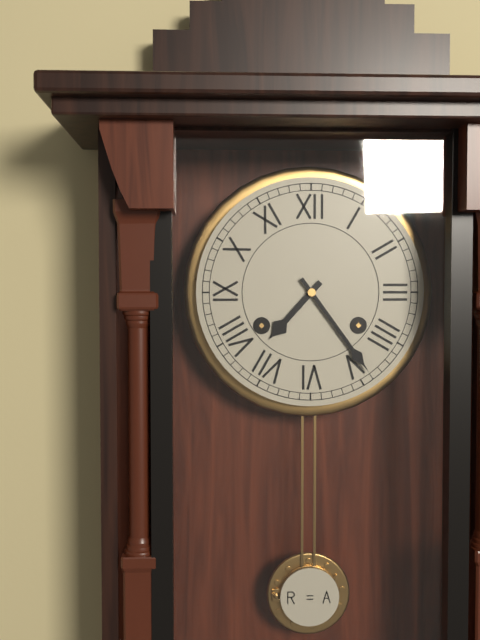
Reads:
{"hour": 7, "minute": 24}
